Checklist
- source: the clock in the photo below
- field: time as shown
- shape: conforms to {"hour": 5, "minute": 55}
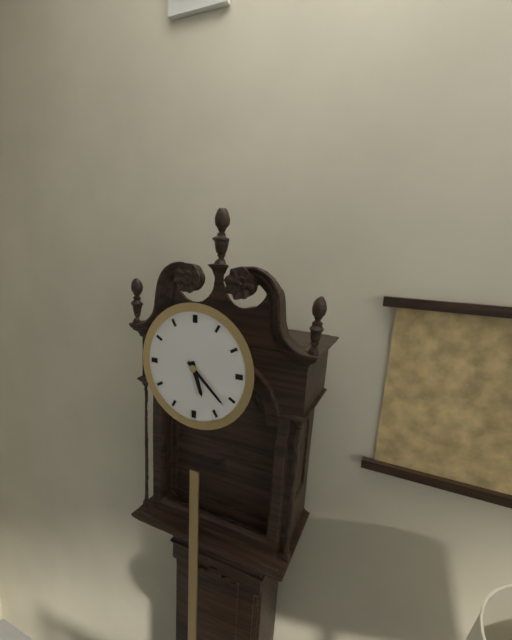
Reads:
{"hour": 5, "minute": 22}
